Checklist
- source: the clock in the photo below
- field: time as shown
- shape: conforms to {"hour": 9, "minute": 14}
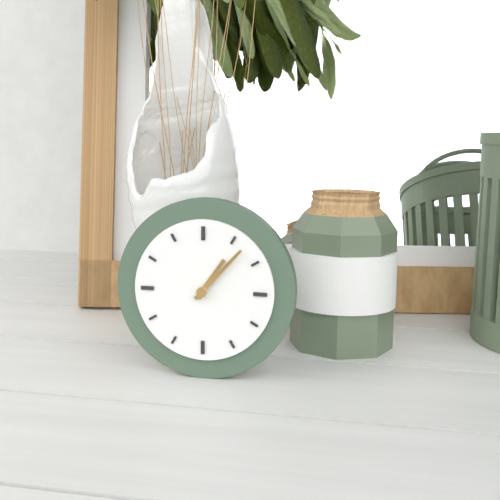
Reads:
{"hour": 1, "minute": 7}
